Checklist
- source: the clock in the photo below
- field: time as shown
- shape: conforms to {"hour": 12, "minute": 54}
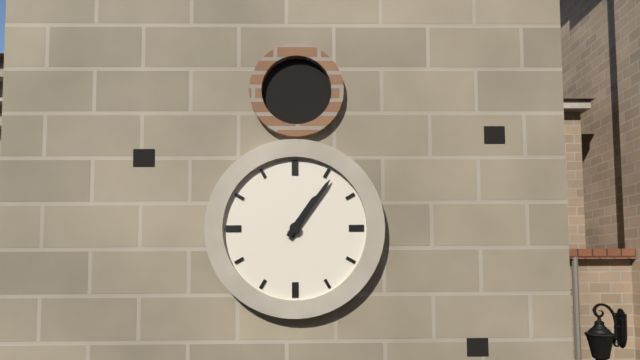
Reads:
{"hour": 1, "minute": 6}
